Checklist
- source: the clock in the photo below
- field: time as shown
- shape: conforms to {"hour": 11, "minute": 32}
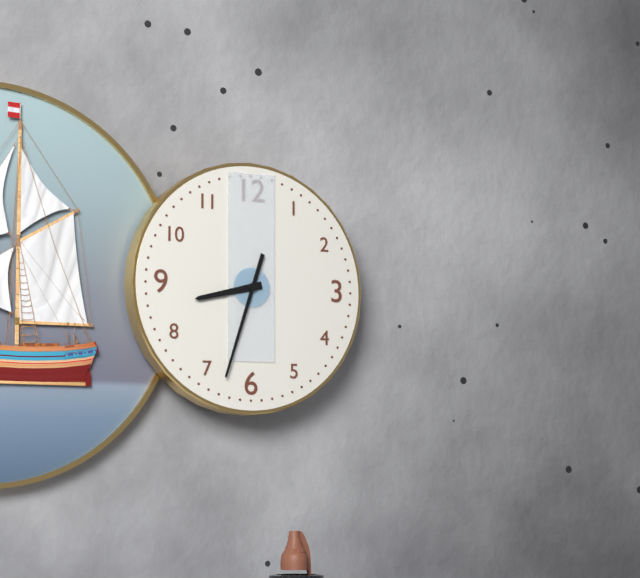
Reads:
{"hour": 8, "minute": 33}
